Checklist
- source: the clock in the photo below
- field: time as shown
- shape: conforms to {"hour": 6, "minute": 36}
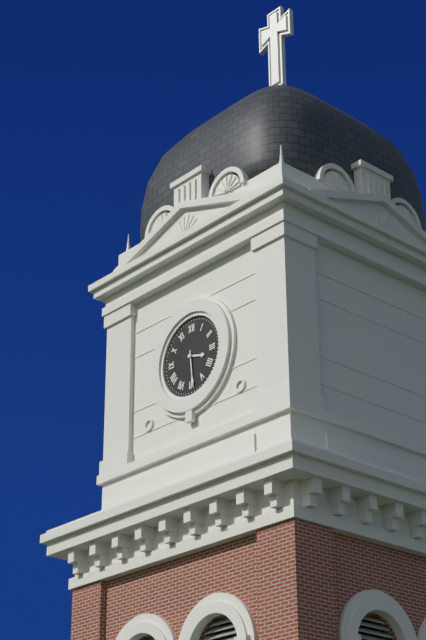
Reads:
{"hour": 3, "minute": 29}
